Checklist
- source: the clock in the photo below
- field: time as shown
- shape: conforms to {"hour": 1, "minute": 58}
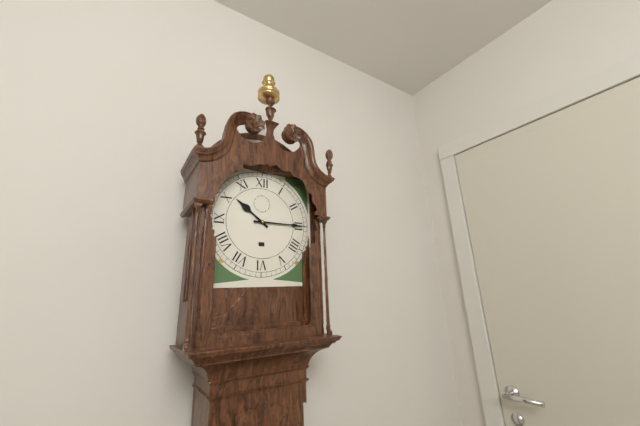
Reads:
{"hour": 10, "minute": 15}
